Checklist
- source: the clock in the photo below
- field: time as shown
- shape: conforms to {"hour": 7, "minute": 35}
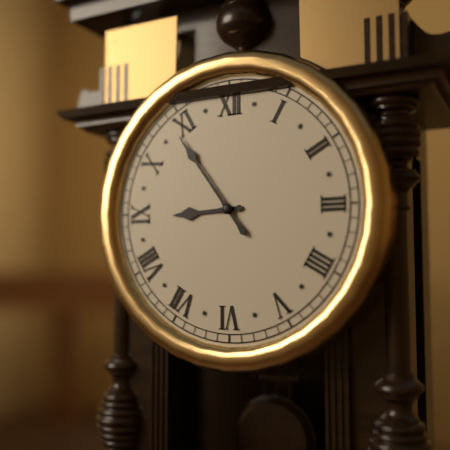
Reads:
{"hour": 8, "minute": 54}
